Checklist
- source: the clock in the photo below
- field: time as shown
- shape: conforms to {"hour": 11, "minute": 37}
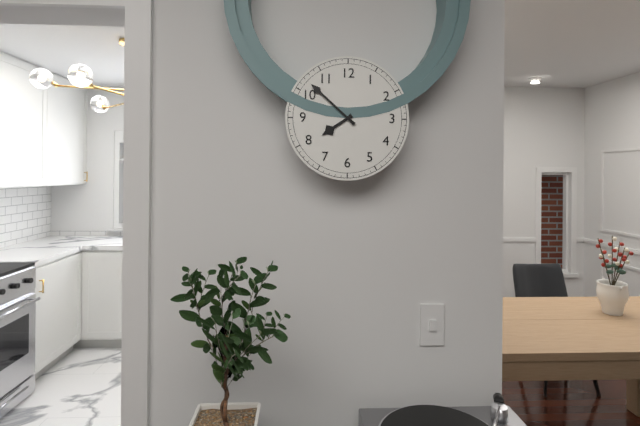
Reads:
{"hour": 7, "minute": 52}
